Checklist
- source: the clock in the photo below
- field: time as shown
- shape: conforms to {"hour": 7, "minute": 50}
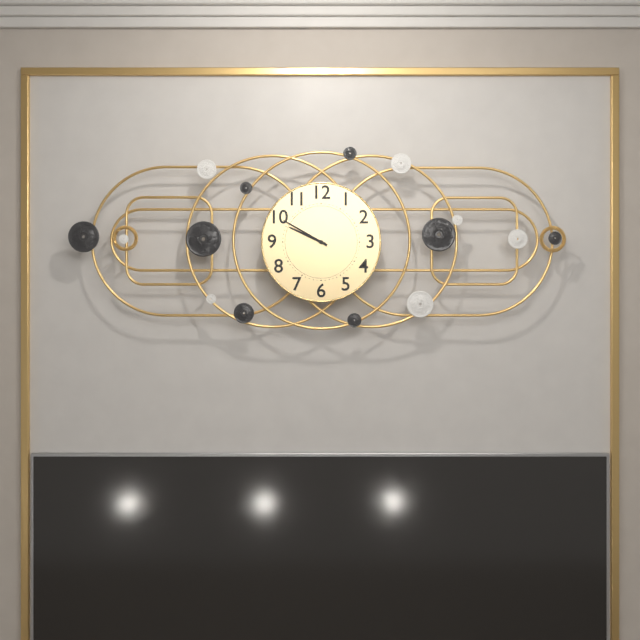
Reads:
{"hour": 9, "minute": 50}
